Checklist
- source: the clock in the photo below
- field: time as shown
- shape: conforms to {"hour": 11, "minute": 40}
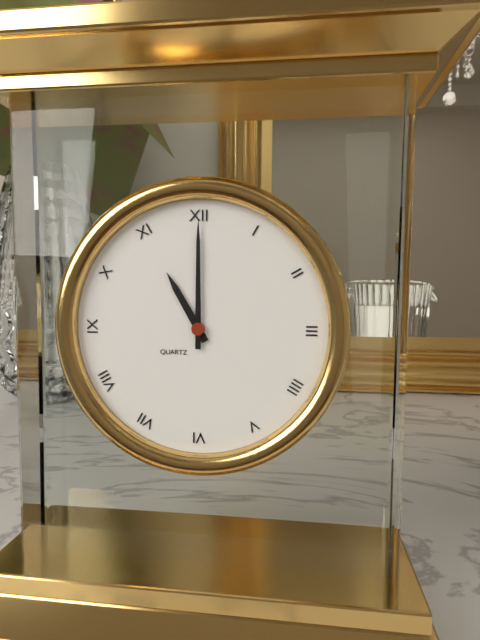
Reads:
{"hour": 11, "minute": 0}
